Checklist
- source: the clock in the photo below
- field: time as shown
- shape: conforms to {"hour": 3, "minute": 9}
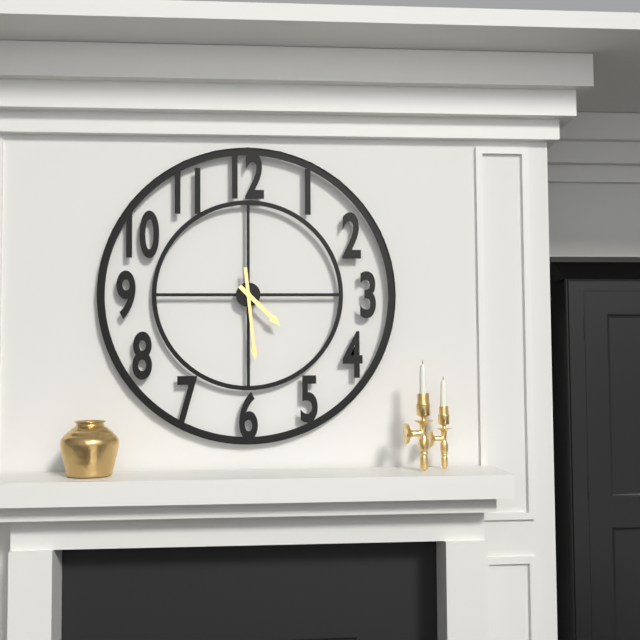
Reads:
{"hour": 4, "minute": 29}
